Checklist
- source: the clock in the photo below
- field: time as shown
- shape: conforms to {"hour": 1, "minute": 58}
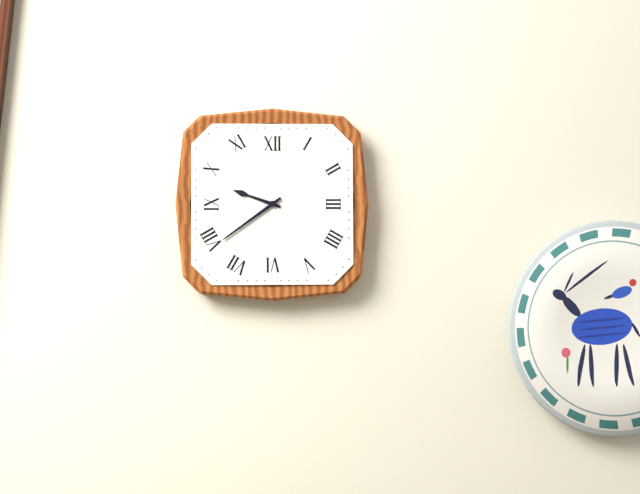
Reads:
{"hour": 9, "minute": 39}
